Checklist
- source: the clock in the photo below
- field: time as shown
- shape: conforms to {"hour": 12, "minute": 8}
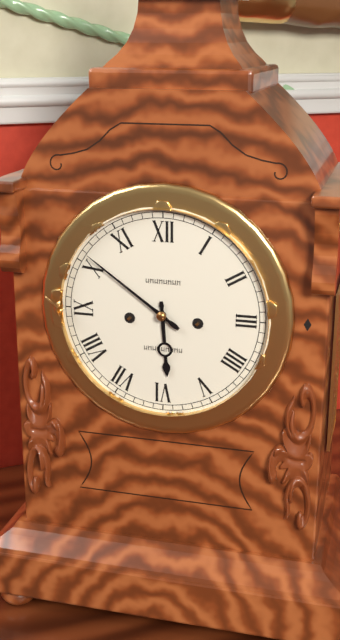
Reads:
{"hour": 5, "minute": 51}
